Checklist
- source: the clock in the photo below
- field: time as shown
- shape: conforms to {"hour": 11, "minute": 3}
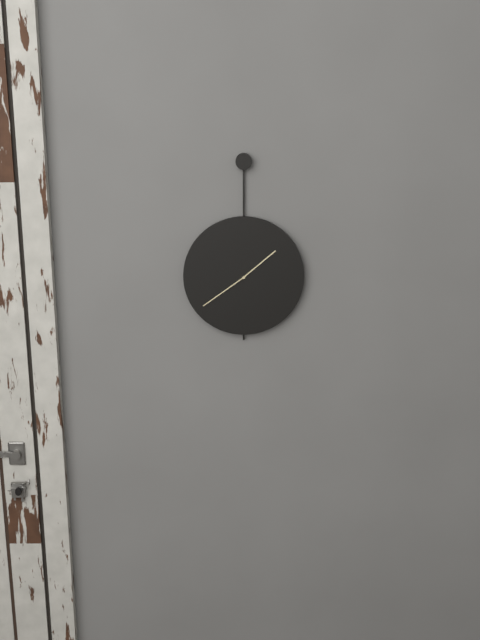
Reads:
{"hour": 1, "minute": 39}
